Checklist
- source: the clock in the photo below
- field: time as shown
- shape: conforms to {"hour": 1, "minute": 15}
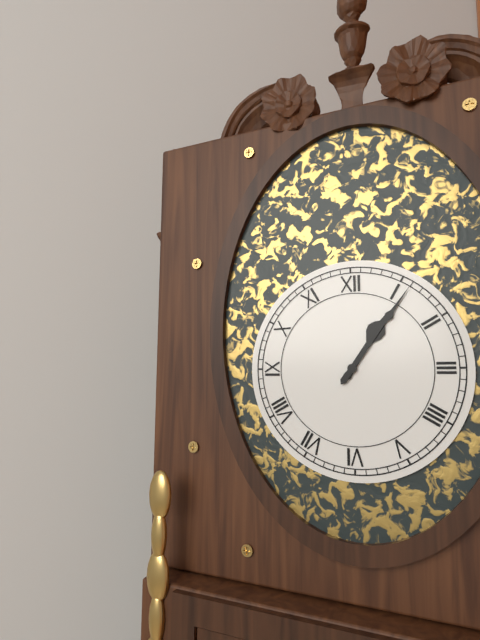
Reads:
{"hour": 1, "minute": 6}
